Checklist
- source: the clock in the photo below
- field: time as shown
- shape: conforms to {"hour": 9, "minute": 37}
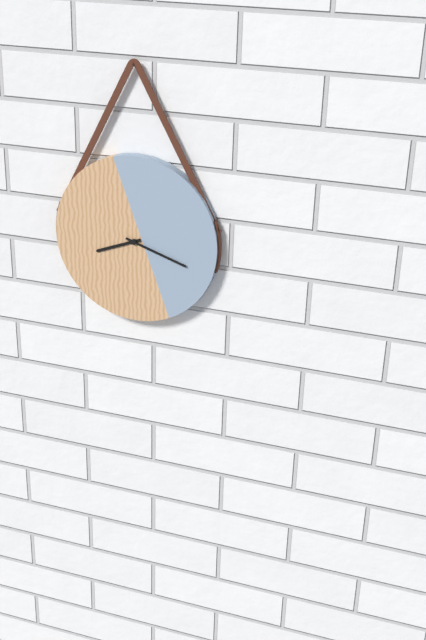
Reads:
{"hour": 8, "minute": 18}
